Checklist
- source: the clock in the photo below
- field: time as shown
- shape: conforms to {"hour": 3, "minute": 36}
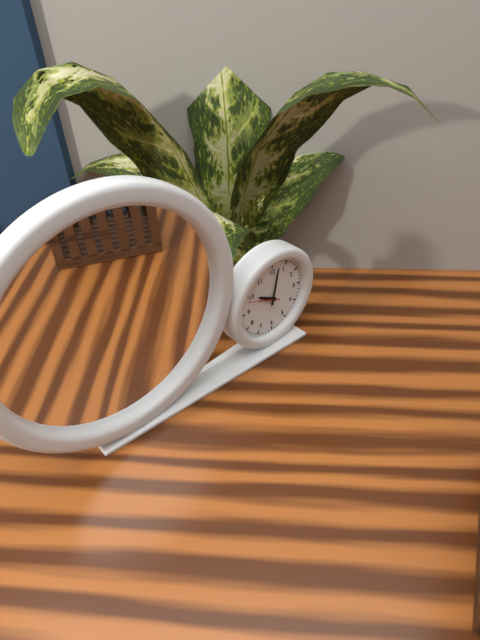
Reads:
{"hour": 10, "minute": 2}
